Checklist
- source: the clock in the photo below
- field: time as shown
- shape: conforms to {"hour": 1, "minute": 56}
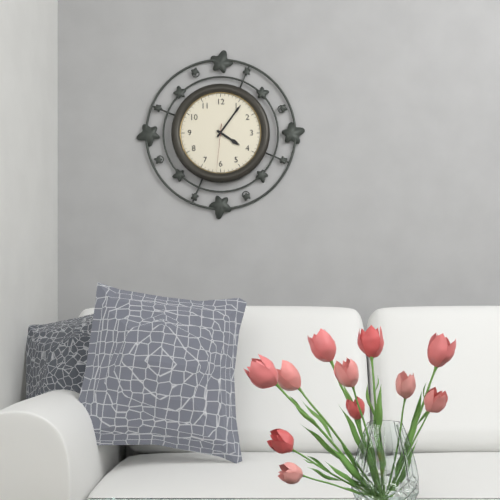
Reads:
{"hour": 4, "minute": 6}
